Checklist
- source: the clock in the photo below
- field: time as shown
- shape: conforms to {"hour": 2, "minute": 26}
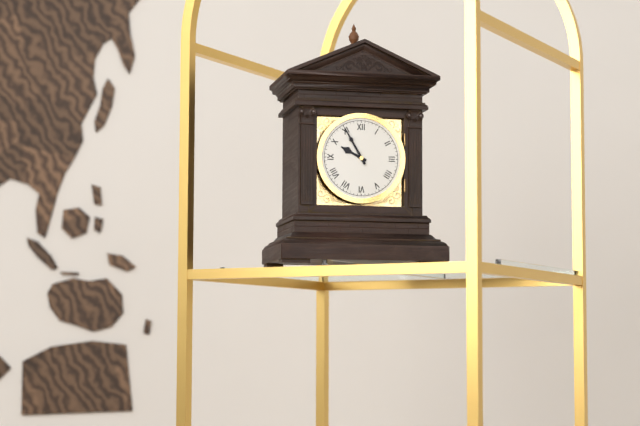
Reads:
{"hour": 9, "minute": 55}
